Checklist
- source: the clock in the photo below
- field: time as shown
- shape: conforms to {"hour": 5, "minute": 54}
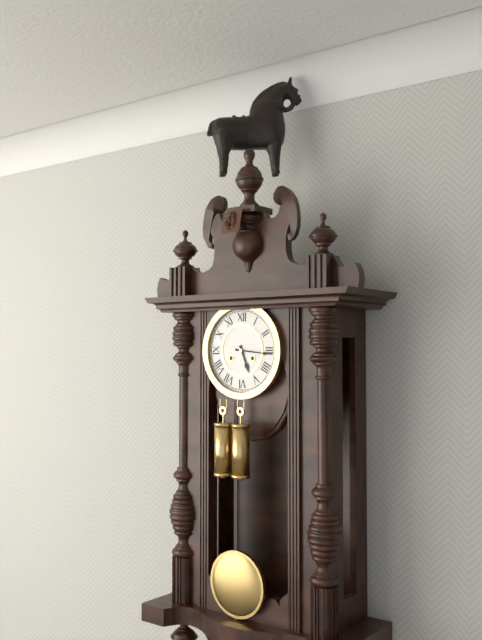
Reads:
{"hour": 5, "minute": 16}
